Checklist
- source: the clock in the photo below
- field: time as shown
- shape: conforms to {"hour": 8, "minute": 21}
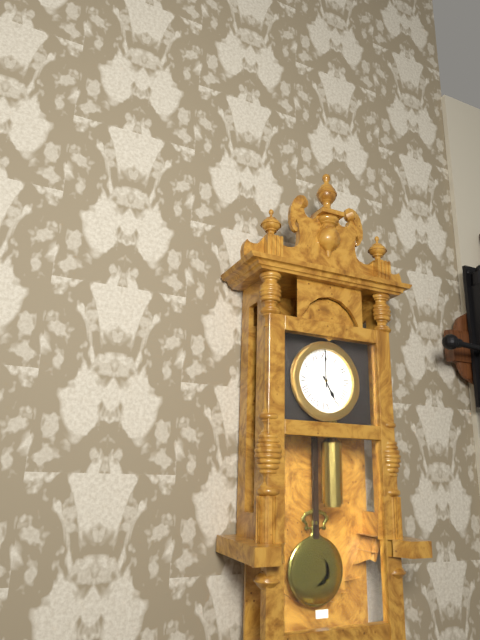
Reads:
{"hour": 5, "minute": 0}
